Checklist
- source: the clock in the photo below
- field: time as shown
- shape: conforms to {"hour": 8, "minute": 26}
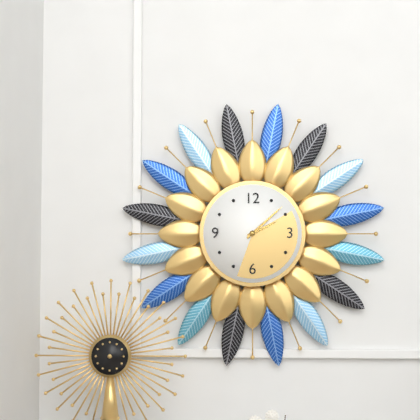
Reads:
{"hour": 2, "minute": 8}
